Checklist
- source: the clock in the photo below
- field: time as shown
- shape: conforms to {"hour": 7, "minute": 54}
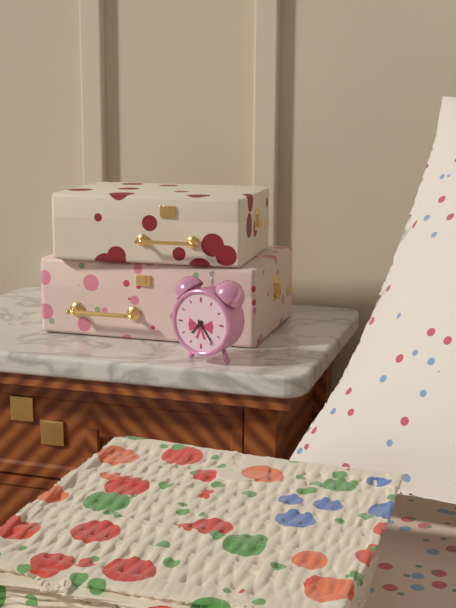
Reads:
{"hour": 7, "minute": 24}
